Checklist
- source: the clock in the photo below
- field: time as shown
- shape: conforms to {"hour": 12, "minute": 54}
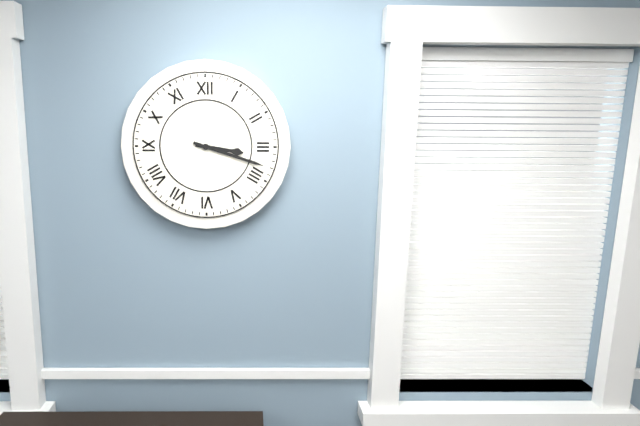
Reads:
{"hour": 3, "minute": 18}
